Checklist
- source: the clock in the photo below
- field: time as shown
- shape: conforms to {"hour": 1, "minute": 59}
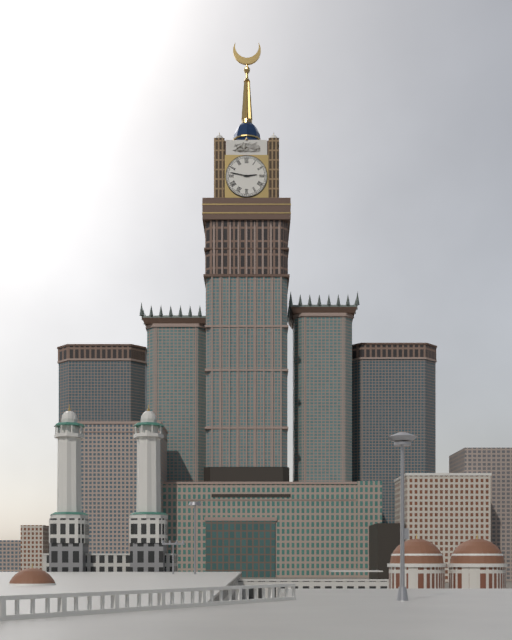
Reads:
{"hour": 2, "minute": 47}
